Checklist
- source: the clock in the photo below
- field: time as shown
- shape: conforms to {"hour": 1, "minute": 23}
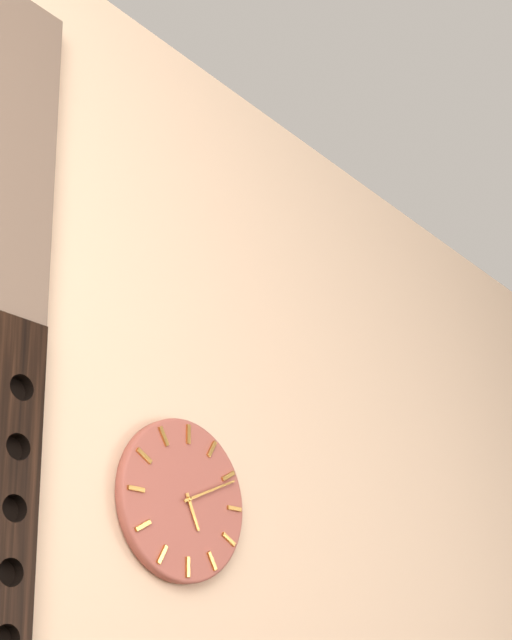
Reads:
{"hour": 5, "minute": 11}
